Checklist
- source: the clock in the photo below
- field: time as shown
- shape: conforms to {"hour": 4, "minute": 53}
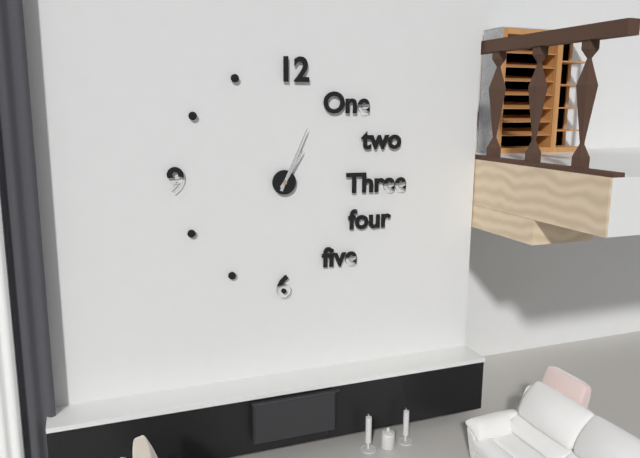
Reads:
{"hour": 1, "minute": 4}
